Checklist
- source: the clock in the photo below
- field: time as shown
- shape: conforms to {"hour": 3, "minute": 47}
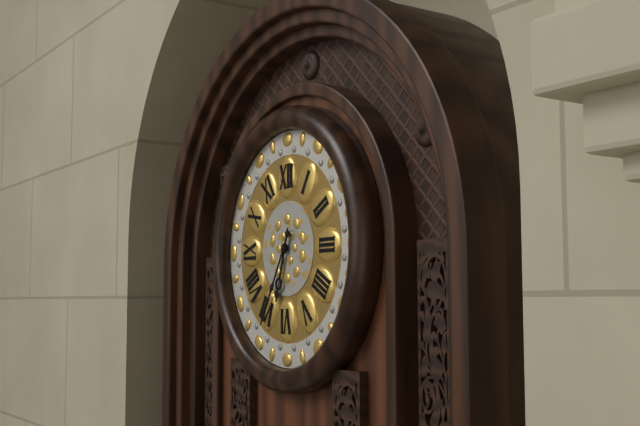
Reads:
{"hour": 6, "minute": 35}
